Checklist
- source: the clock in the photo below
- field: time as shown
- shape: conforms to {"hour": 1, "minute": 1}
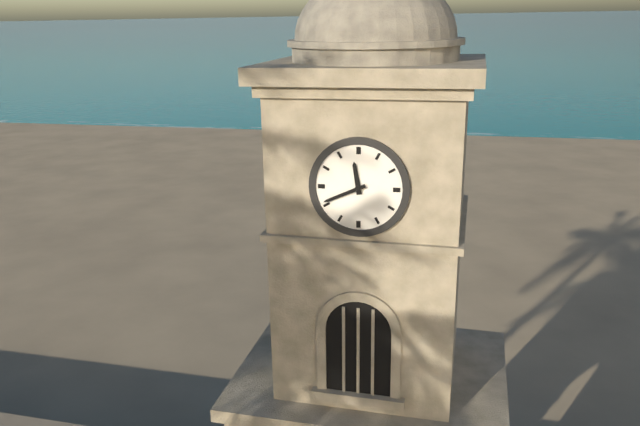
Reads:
{"hour": 11, "minute": 41}
